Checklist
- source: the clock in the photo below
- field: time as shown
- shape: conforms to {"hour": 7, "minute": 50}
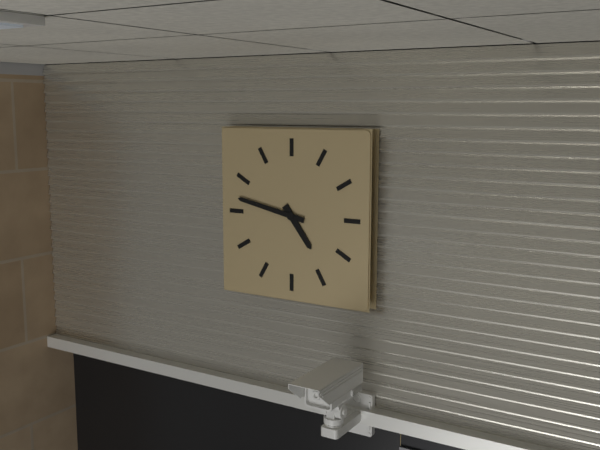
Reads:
{"hour": 4, "minute": 47}
